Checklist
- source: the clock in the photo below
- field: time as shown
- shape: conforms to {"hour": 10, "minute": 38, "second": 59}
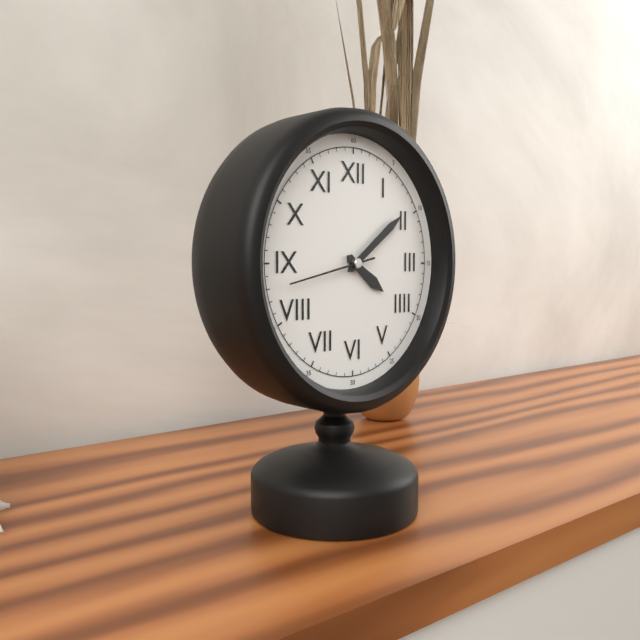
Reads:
{"hour": 4, "minute": 9, "second": 43}
